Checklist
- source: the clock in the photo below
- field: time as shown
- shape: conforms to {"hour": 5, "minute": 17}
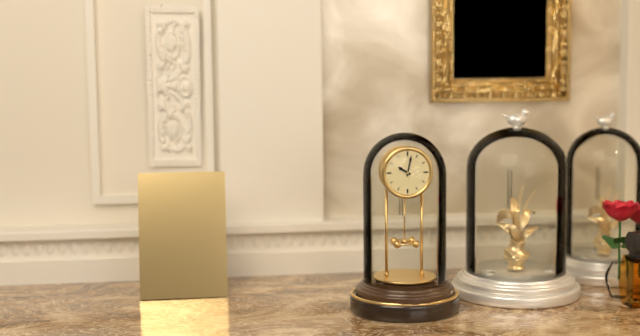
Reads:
{"hour": 10, "minute": 2}
